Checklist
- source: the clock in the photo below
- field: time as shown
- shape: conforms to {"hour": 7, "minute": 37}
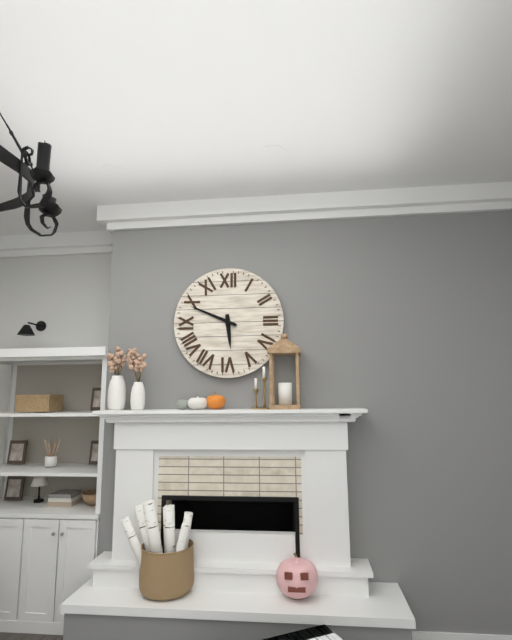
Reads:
{"hour": 5, "minute": 49}
